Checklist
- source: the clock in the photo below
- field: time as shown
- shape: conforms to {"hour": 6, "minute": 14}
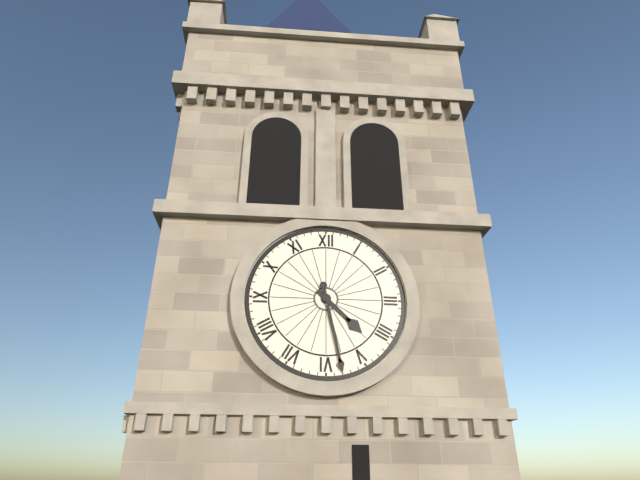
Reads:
{"hour": 4, "minute": 28}
